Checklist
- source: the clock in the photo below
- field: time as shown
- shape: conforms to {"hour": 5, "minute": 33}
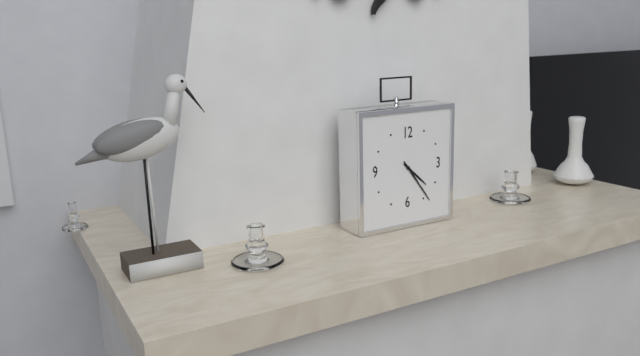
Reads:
{"hour": 4, "minute": 24}
